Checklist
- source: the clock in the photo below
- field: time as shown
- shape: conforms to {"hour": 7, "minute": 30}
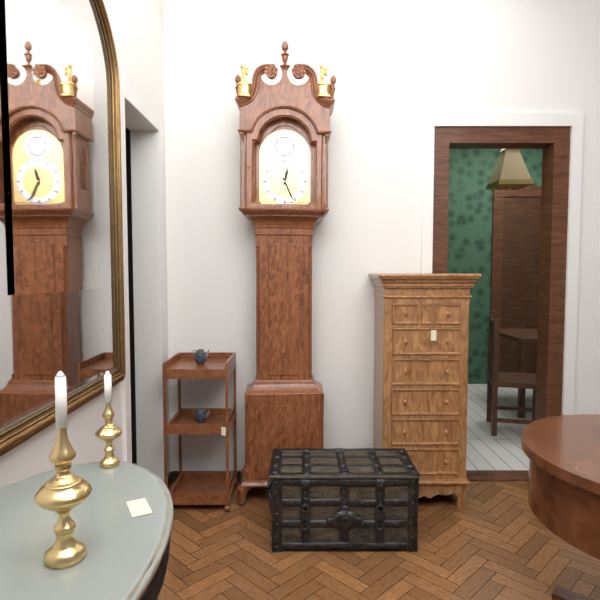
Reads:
{"hour": 12, "minute": 26}
